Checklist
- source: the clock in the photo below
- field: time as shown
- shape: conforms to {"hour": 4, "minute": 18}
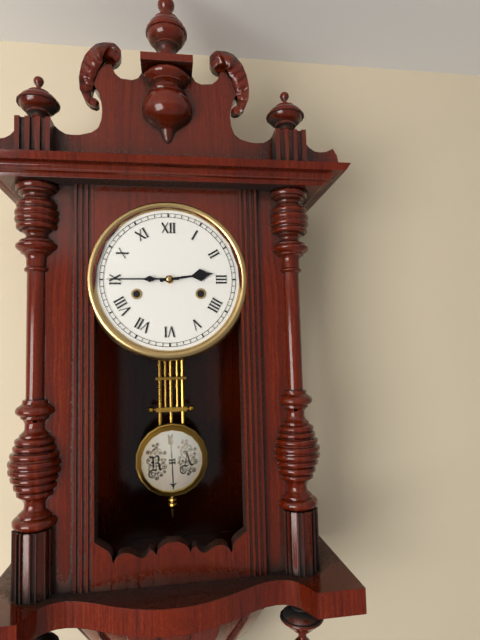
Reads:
{"hour": 2, "minute": 45}
